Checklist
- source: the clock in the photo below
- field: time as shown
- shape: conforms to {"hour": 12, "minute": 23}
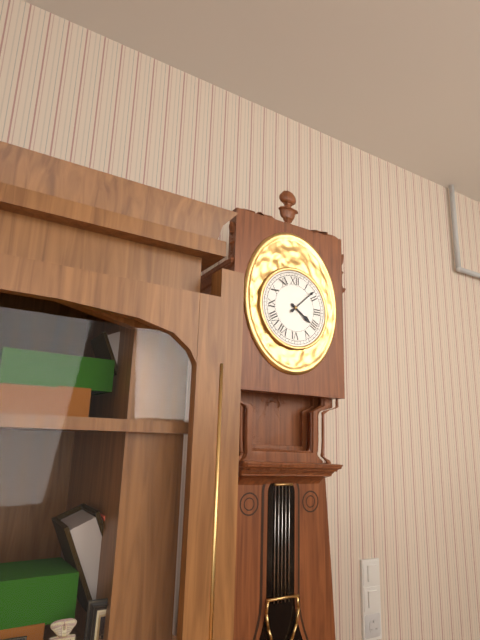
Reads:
{"hour": 4, "minute": 8}
